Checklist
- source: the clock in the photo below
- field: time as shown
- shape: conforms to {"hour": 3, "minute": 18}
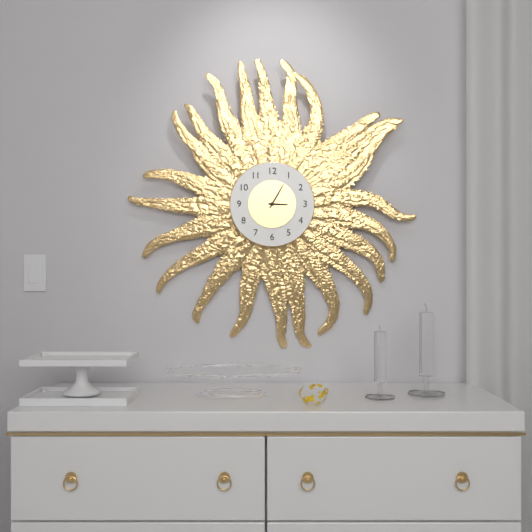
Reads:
{"hour": 3, "minute": 5}
